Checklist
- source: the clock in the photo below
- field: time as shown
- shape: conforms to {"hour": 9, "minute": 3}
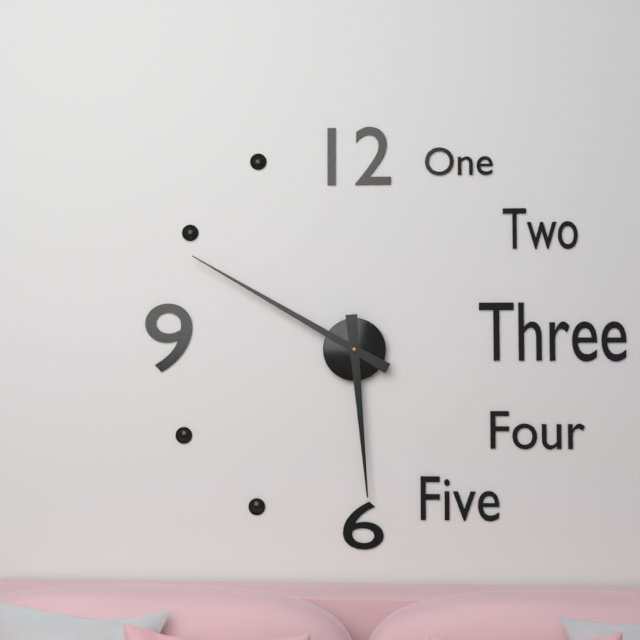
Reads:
{"hour": 5, "minute": 50}
